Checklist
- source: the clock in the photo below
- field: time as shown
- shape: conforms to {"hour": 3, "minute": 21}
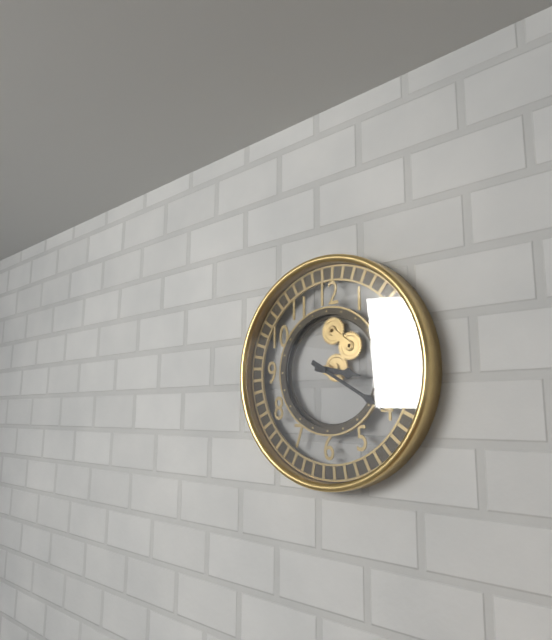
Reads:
{"hour": 3, "minute": 20}
